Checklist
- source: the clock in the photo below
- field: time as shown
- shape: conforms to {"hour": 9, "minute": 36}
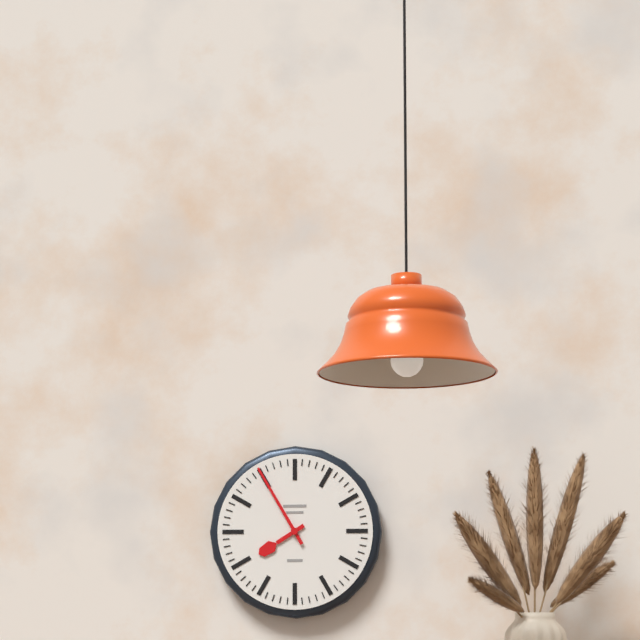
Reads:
{"hour": 7, "minute": 55}
